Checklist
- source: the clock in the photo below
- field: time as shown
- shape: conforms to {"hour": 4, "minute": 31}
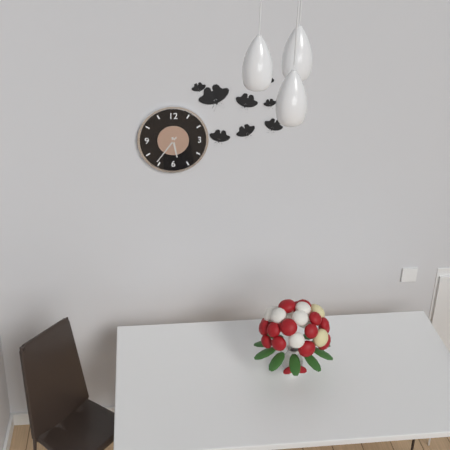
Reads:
{"hour": 5, "minute": 36}
